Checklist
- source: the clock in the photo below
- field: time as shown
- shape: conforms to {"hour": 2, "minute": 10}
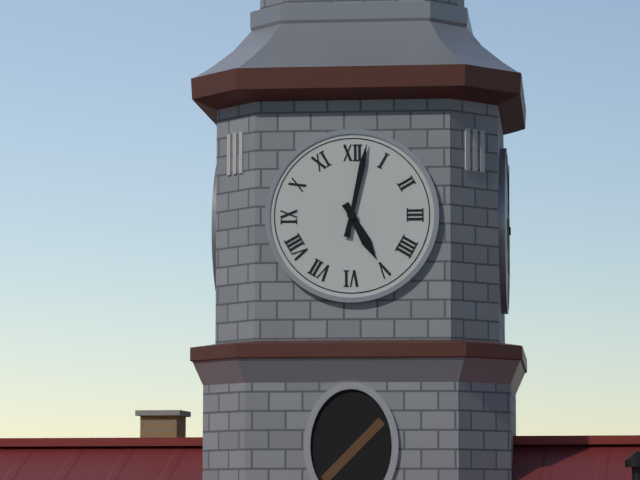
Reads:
{"hour": 5, "minute": 2}
